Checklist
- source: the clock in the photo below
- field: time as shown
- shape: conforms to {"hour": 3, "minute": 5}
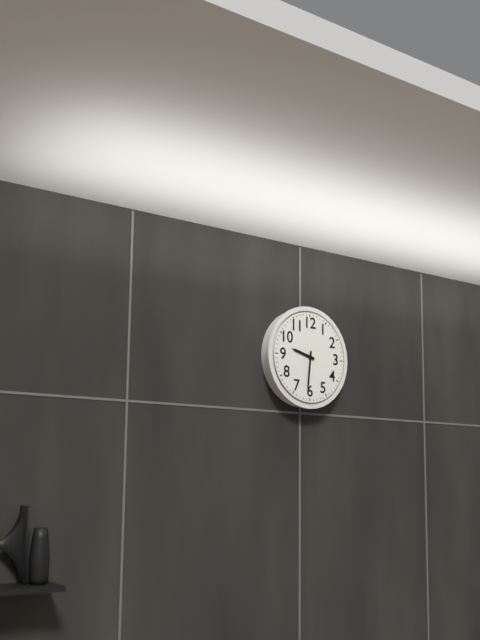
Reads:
{"hour": 9, "minute": 31}
